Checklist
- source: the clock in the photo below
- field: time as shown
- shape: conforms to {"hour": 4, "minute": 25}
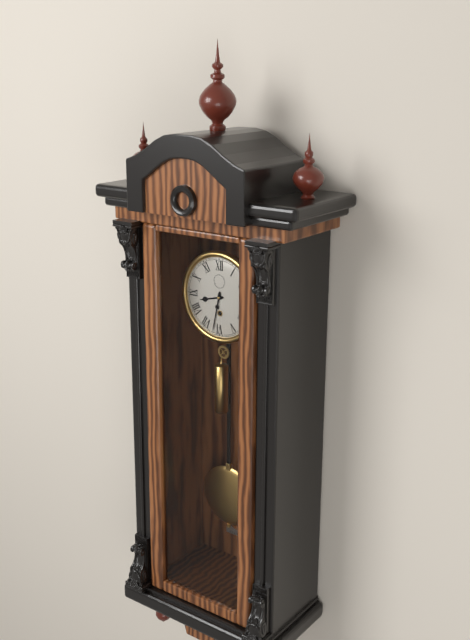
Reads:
{"hour": 8, "minute": 32}
